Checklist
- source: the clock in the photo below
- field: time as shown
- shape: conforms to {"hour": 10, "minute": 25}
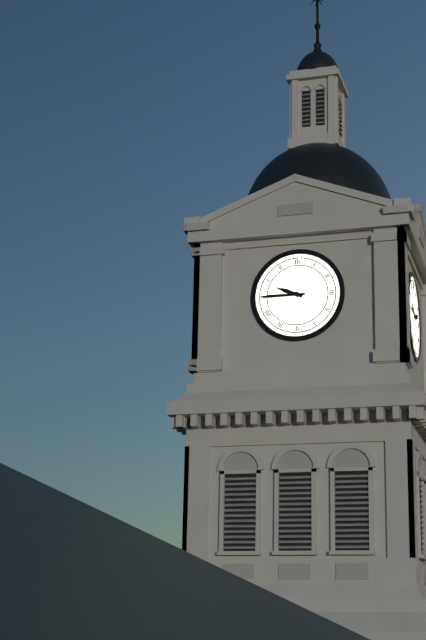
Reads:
{"hour": 9, "minute": 45}
